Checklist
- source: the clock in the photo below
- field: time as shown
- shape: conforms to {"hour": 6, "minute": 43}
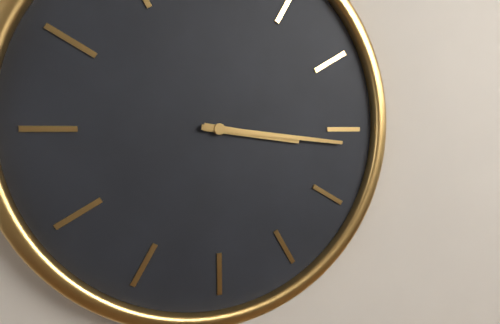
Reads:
{"hour": 3, "minute": 16}
